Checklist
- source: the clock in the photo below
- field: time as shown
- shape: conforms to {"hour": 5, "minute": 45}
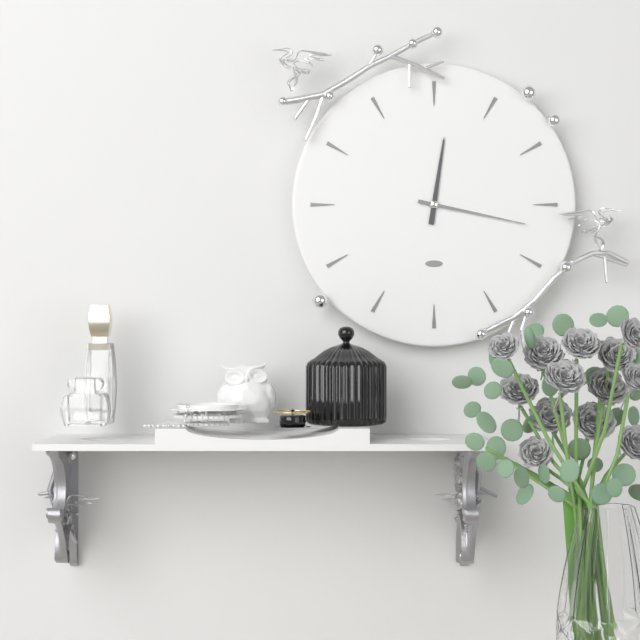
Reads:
{"hour": 12, "minute": 17}
